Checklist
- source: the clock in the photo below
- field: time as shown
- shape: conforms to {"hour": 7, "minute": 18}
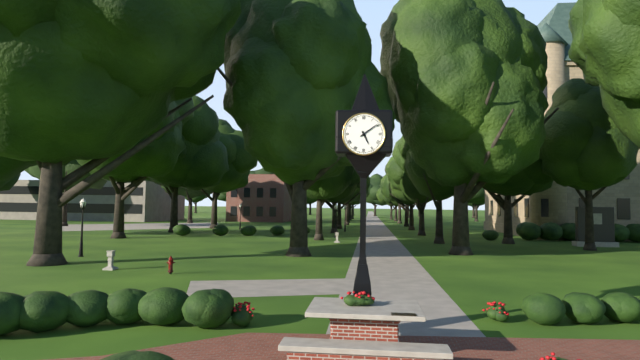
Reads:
{"hour": 5, "minute": 9}
